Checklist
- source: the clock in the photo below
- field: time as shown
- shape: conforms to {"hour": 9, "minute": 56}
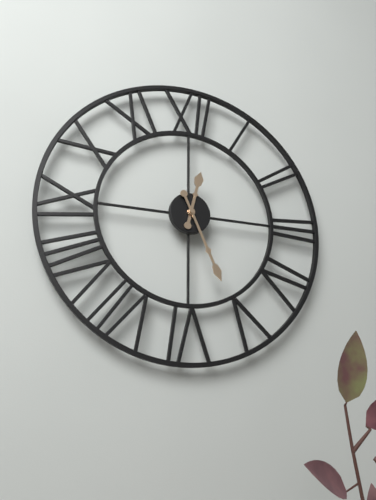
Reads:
{"hour": 12, "minute": 26}
